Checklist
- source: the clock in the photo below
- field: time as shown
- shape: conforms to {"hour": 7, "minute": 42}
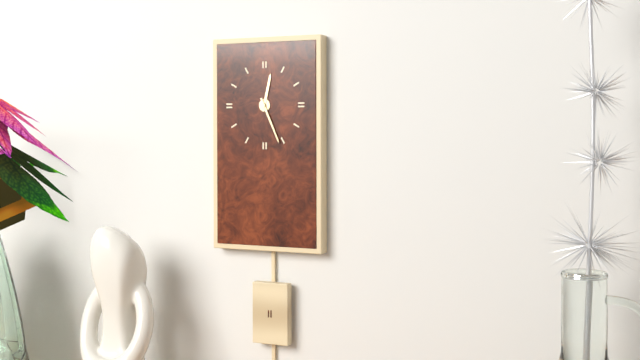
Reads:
{"hour": 12, "minute": 26}
